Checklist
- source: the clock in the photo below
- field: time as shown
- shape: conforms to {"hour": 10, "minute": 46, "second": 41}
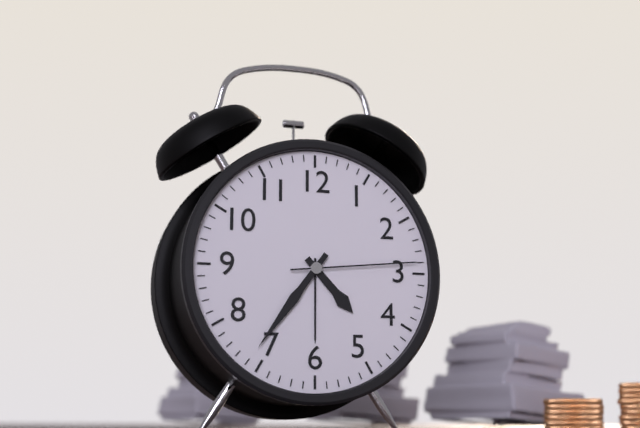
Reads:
{"hour": 4, "minute": 36, "second": 14}
